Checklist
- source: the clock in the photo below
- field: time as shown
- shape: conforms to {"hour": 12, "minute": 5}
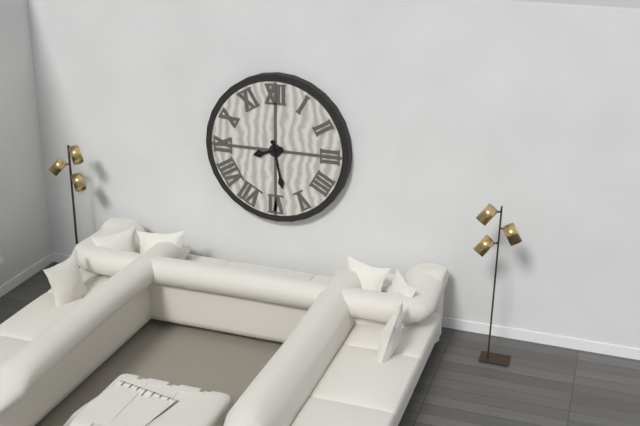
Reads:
{"hour": 8, "minute": 28}
